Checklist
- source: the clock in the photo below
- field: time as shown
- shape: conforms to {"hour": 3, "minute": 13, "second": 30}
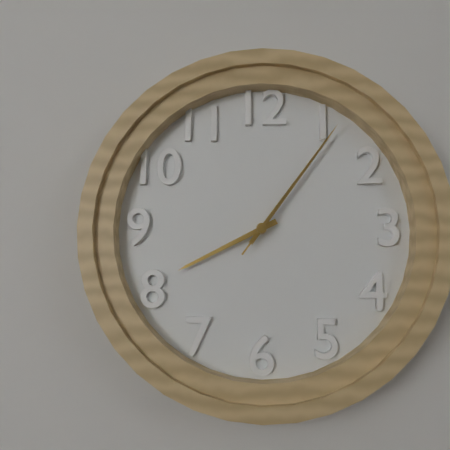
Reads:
{"hour": 8, "minute": 6, "second": 6}
